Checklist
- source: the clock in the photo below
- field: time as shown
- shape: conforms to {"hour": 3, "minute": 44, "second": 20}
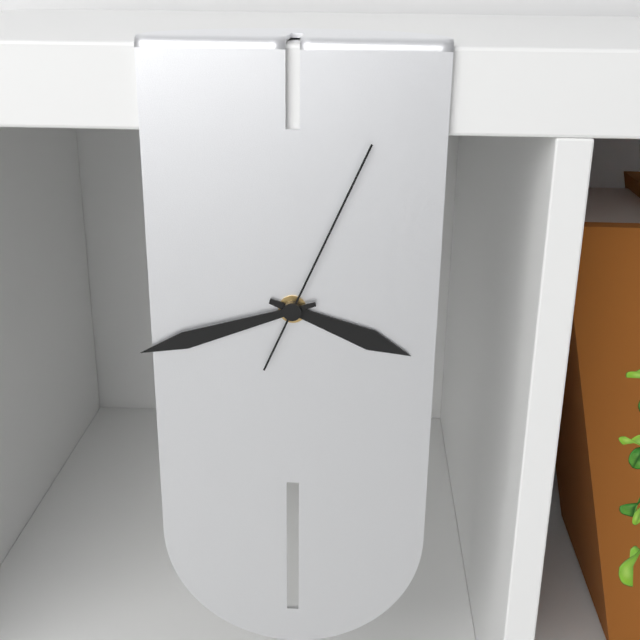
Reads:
{"hour": 3, "minute": 42, "second": 4}
